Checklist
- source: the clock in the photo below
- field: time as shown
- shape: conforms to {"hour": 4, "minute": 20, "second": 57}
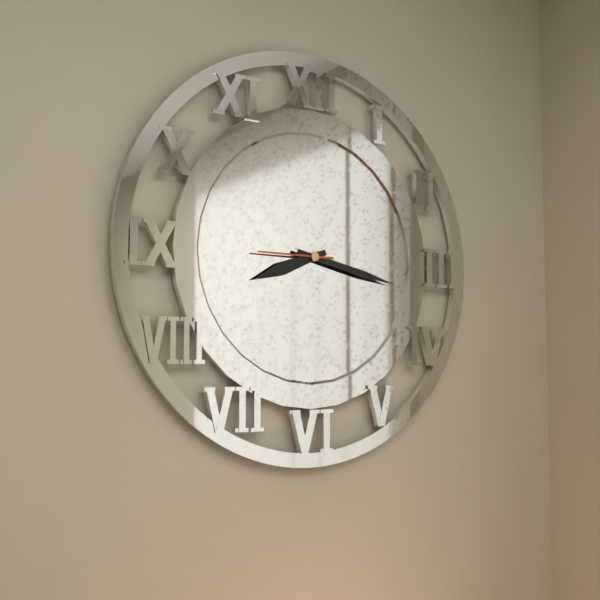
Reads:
{"hour": 8, "minute": 17, "second": 45}
